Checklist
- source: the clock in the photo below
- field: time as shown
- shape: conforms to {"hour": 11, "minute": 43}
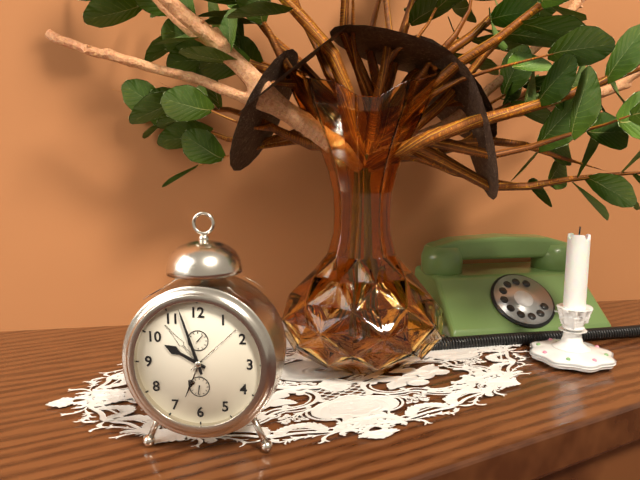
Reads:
{"hour": 9, "minute": 57}
